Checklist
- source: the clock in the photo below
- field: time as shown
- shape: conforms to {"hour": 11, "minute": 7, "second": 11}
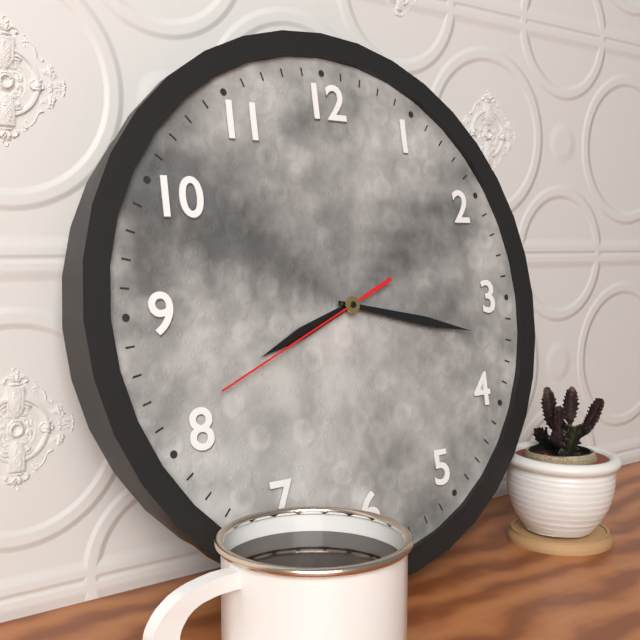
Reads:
{"hour": 8, "minute": 17, "second": 41}
